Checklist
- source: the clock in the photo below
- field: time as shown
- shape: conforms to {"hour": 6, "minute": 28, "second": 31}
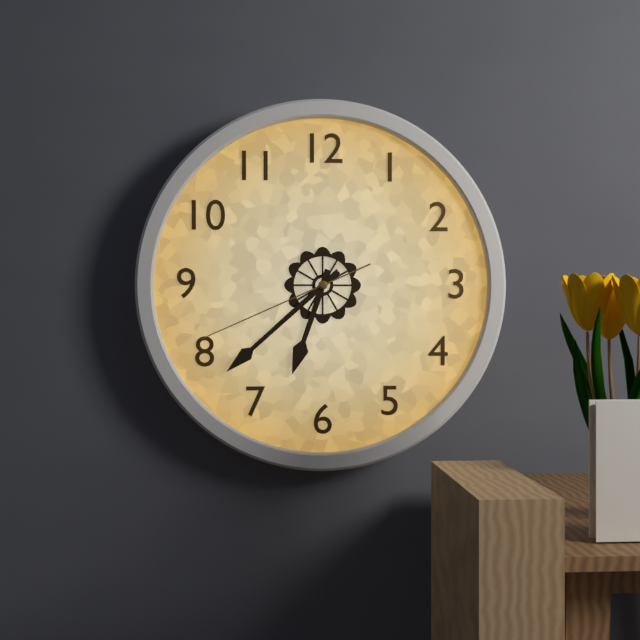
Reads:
{"hour": 6, "minute": 38, "second": 41}
